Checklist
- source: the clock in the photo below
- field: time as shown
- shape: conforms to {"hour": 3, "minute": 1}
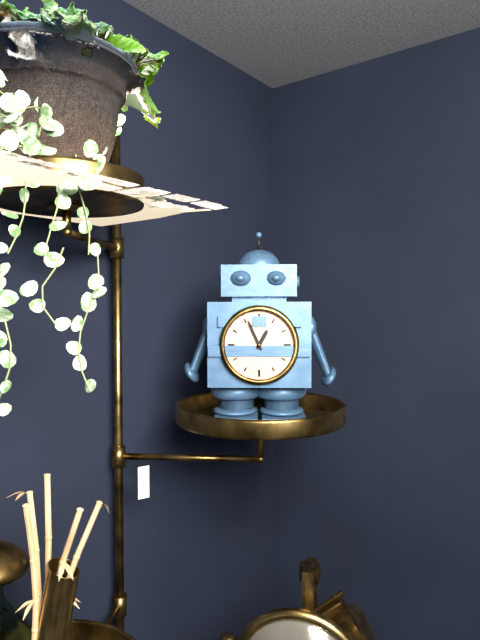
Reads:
{"hour": 12, "minute": 56}
